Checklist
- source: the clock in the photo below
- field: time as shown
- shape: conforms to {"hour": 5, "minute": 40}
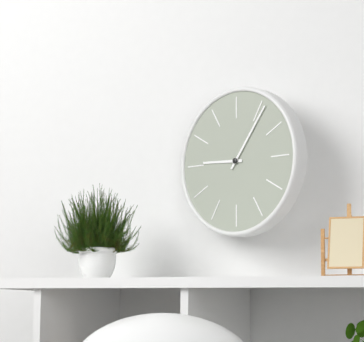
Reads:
{"hour": 9, "minute": 6}
